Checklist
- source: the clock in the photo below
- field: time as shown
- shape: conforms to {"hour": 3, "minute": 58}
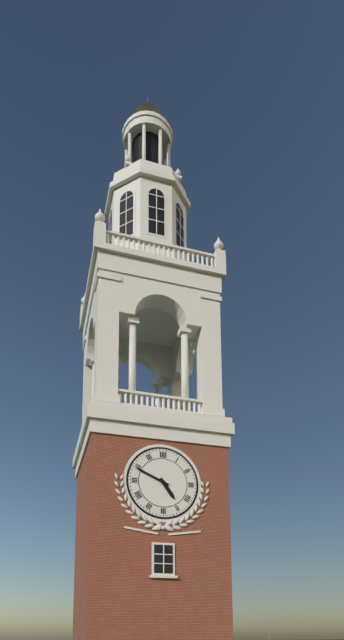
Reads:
{"hour": 4, "minute": 49}
